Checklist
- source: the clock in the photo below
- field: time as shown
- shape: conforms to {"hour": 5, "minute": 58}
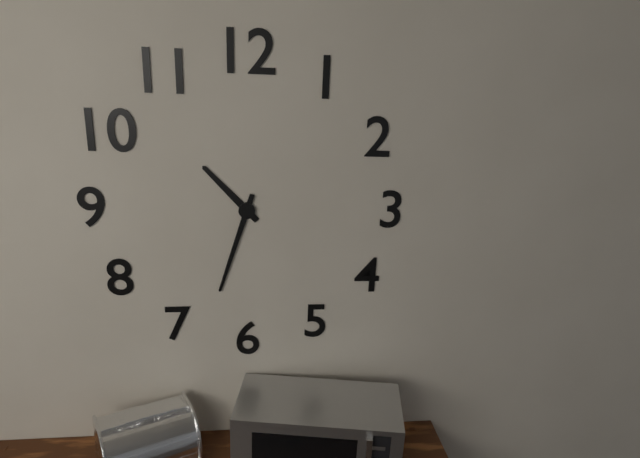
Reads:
{"hour": 10, "minute": 33}
